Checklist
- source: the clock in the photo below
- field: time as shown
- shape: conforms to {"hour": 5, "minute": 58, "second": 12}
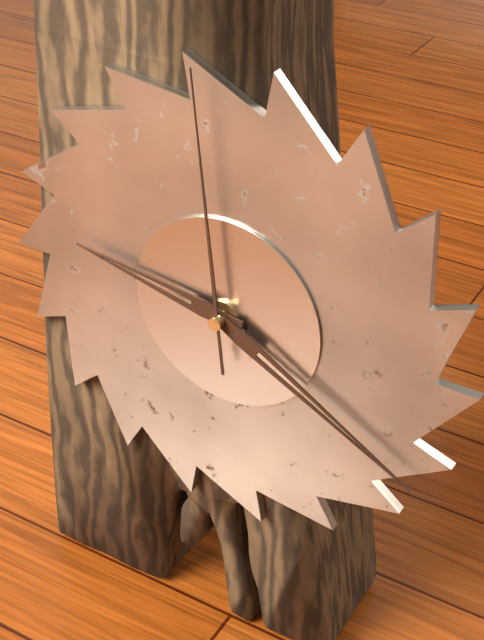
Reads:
{"hour": 9, "minute": 20, "second": 59}
